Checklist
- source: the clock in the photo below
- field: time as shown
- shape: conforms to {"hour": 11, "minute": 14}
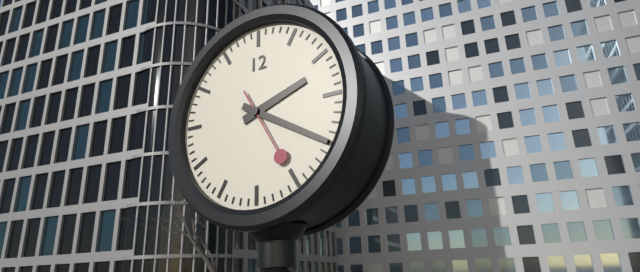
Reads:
{"hour": 2, "minute": 20}
